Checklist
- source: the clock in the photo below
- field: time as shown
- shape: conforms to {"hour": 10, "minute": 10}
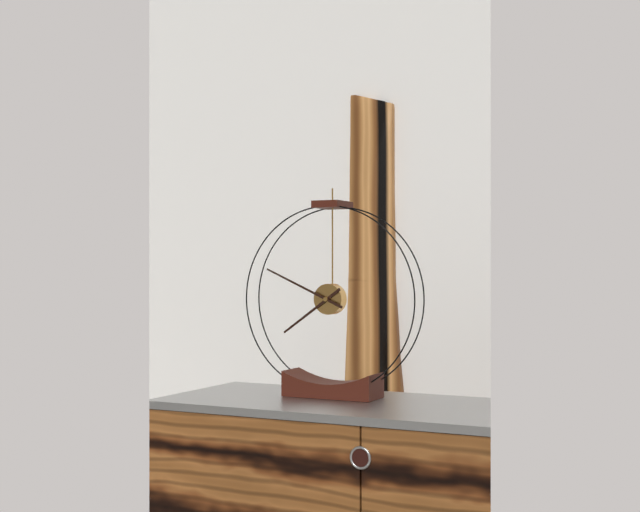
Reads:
{"hour": 7, "minute": 49}
